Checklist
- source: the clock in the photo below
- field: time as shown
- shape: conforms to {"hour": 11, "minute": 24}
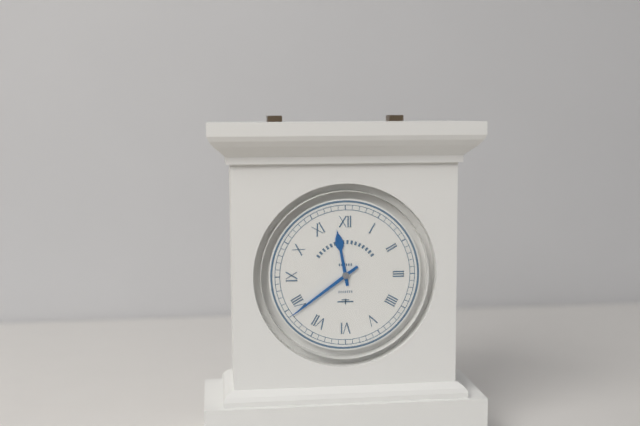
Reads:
{"hour": 11, "minute": 39}
